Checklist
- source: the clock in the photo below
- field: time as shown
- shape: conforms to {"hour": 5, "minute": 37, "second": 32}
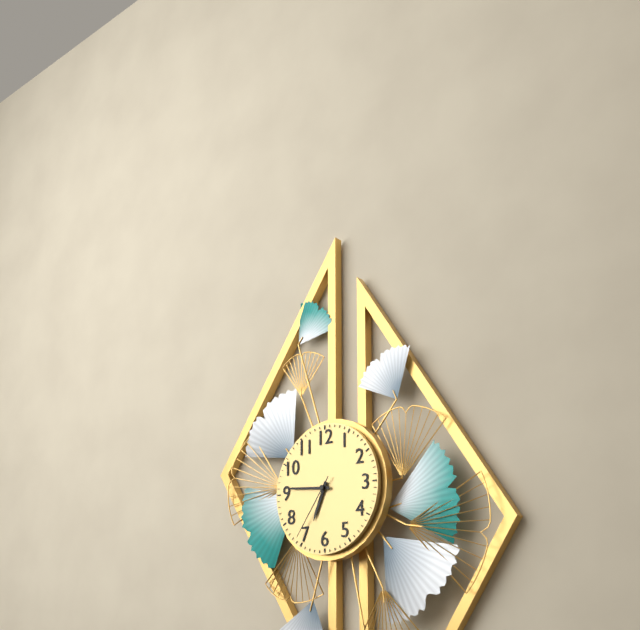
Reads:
{"hour": 6, "minute": 46, "second": 36}
